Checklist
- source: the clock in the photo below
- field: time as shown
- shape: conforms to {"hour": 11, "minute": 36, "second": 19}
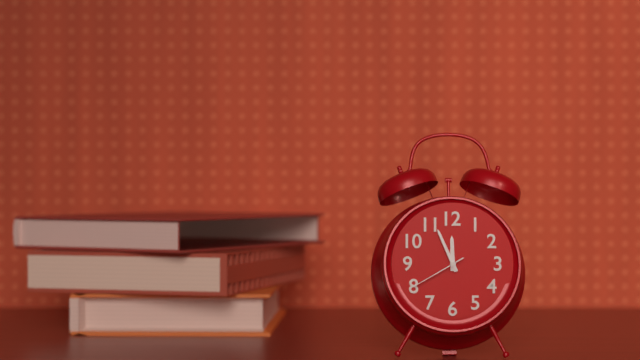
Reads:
{"hour": 11, "minute": 56, "second": 40}
